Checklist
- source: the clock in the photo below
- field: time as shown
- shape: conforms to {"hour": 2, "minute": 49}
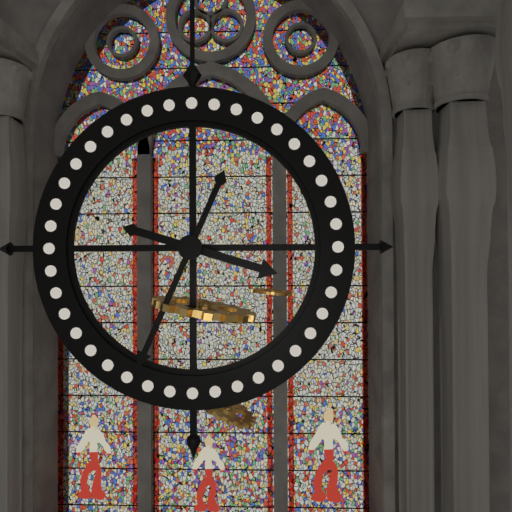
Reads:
{"hour": 3, "minute": 34}
